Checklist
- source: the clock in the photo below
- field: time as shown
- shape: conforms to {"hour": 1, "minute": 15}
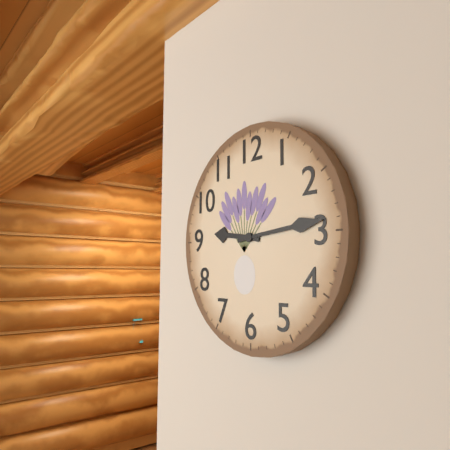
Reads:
{"hour": 9, "minute": 14}
